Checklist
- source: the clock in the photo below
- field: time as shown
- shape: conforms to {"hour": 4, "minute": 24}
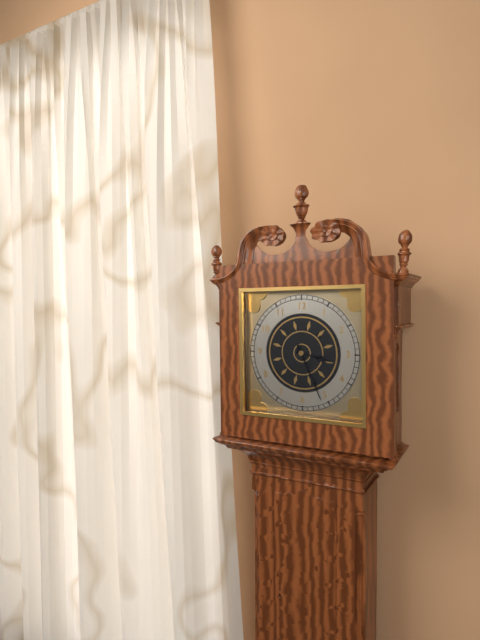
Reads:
{"hour": 3, "minute": 26}
